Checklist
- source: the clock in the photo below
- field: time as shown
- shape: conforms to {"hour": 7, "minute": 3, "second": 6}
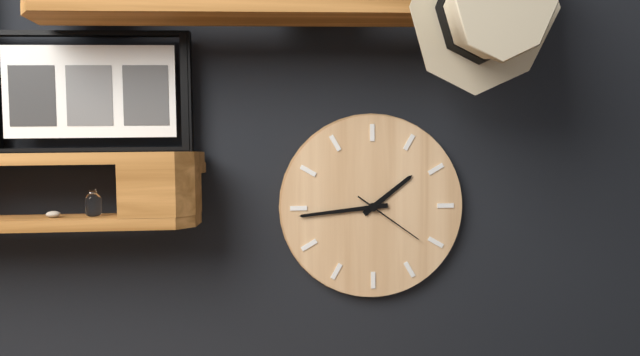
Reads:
{"hour": 1, "minute": 44, "second": 21}
